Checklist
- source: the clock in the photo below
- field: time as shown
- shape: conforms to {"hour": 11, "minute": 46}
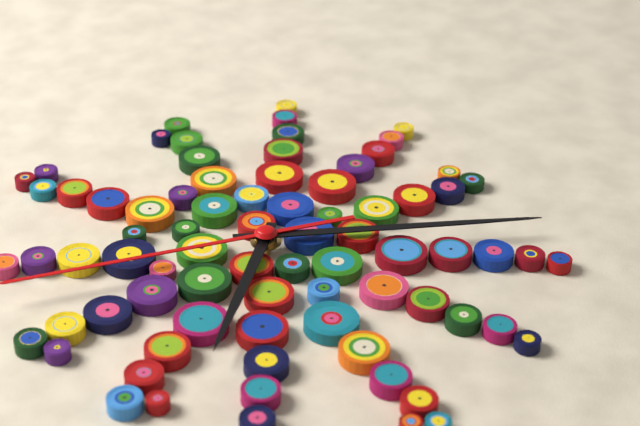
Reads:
{"hour": 7, "minute": 18}
